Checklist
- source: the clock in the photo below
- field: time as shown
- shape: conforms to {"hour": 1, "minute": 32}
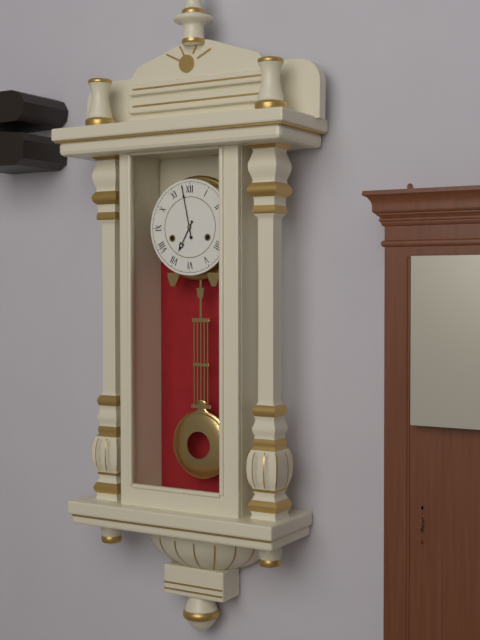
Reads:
{"hour": 6, "minute": 58}
